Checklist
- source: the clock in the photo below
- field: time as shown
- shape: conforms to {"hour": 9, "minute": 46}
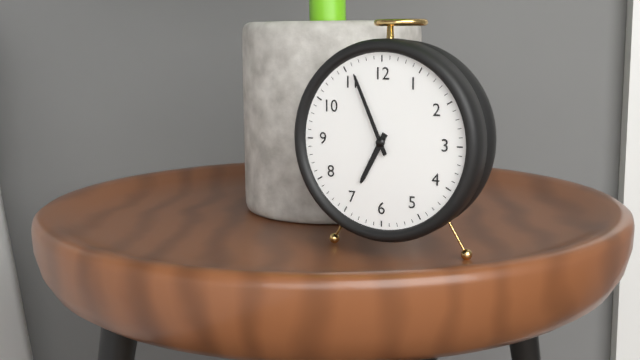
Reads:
{"hour": 6, "minute": 56}
